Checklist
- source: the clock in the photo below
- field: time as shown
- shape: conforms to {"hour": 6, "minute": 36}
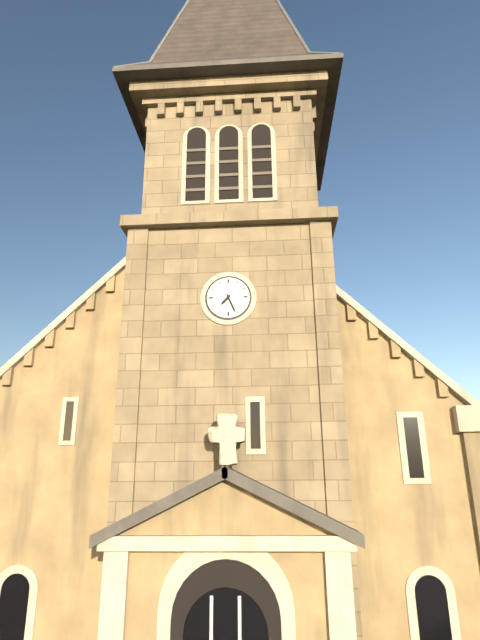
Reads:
{"hour": 7, "minute": 26}
